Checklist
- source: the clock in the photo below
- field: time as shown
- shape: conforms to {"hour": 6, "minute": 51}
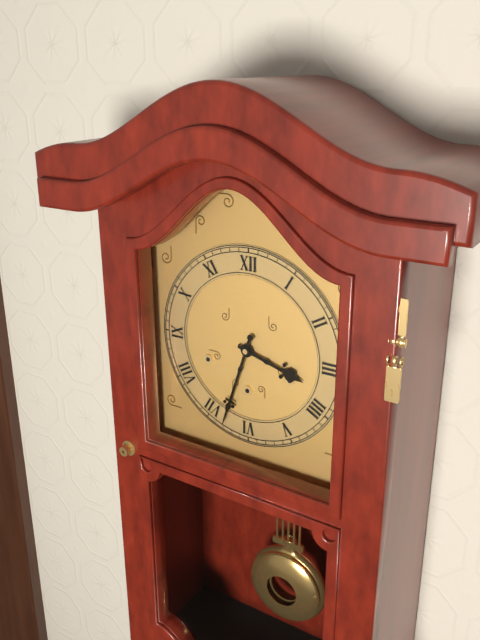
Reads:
{"hour": 3, "minute": 33}
